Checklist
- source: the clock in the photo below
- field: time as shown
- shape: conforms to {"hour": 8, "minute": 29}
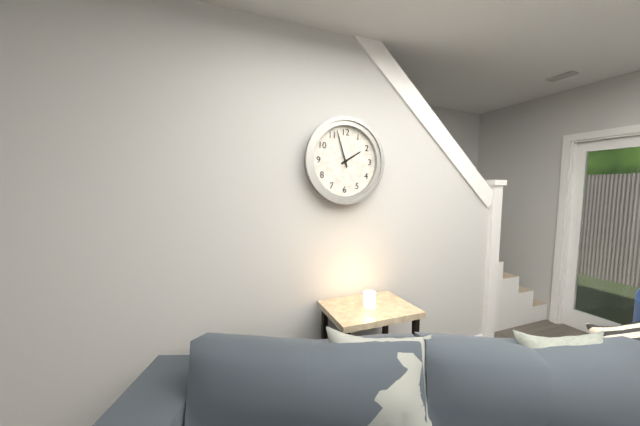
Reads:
{"hour": 1, "minute": 57}
